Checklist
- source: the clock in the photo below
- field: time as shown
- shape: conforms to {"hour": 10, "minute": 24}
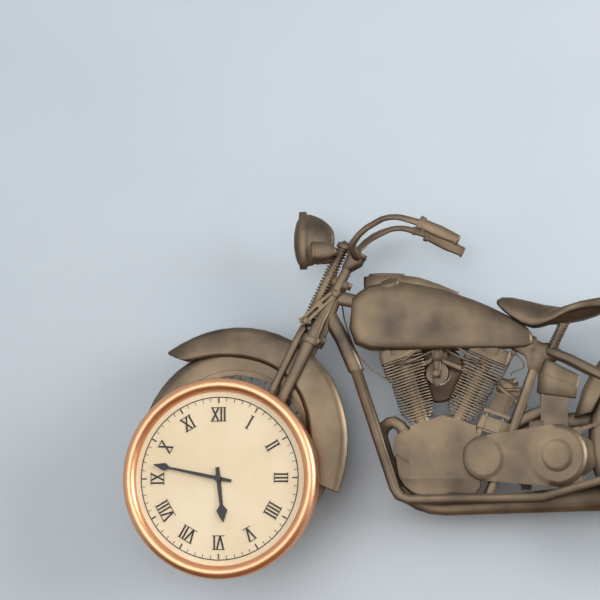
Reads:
{"hour": 5, "minute": 47}
